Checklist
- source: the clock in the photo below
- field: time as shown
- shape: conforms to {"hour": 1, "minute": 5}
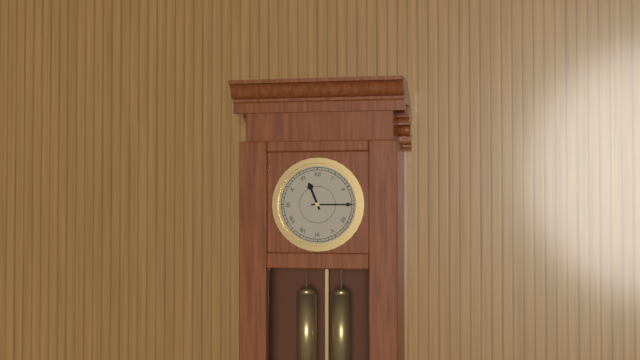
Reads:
{"hour": 11, "minute": 15}
